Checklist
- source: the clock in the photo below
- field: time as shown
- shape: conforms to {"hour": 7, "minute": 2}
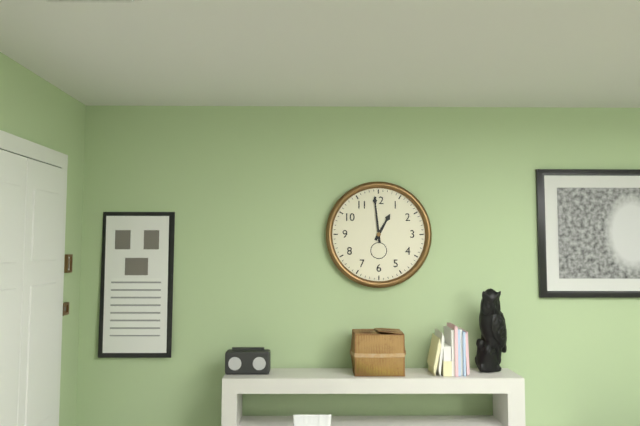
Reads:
{"hour": 12, "minute": 59}
